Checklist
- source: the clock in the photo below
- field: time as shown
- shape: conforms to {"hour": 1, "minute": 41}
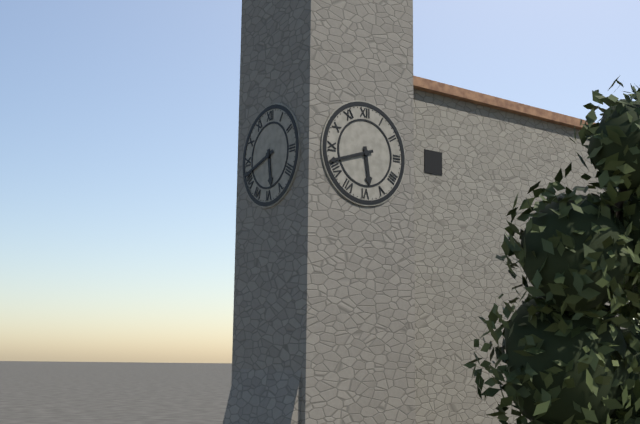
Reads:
{"hour": 5, "minute": 42}
